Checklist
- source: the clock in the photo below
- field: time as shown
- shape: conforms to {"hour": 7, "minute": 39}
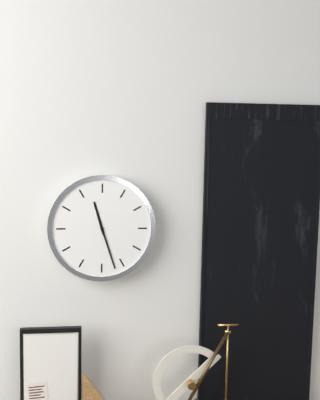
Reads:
{"hour": 11, "minute": 27}
